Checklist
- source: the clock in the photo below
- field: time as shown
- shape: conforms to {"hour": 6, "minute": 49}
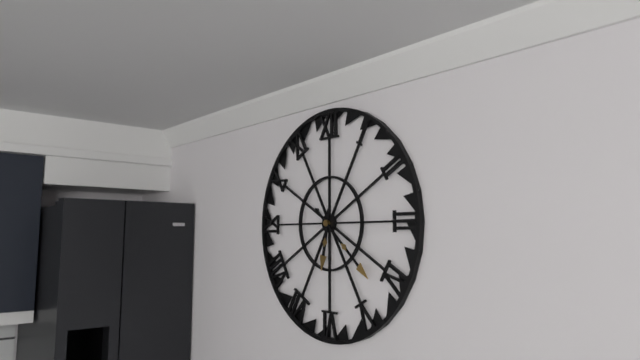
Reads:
{"hour": 6, "minute": 22}
